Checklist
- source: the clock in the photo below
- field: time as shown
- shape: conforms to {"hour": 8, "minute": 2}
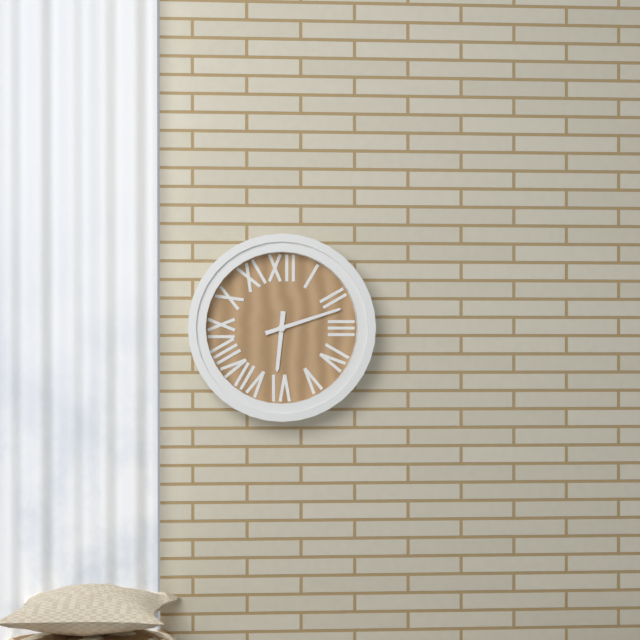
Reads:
{"hour": 6, "minute": 12}
